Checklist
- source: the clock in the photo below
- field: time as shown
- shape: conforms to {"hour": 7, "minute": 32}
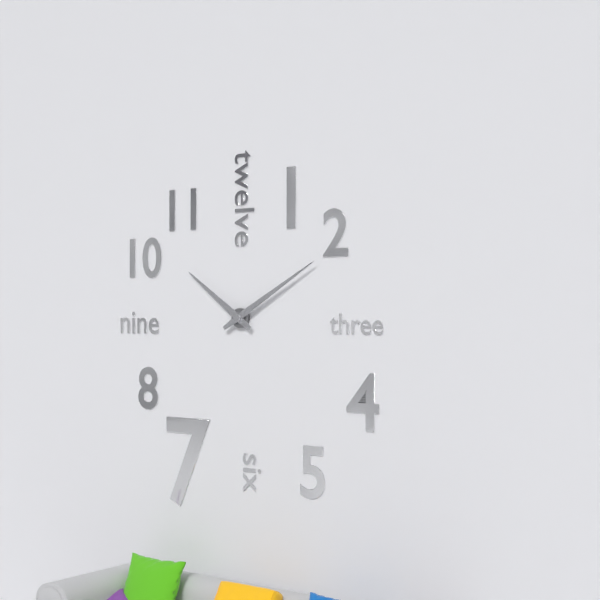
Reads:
{"hour": 10, "minute": 10}
